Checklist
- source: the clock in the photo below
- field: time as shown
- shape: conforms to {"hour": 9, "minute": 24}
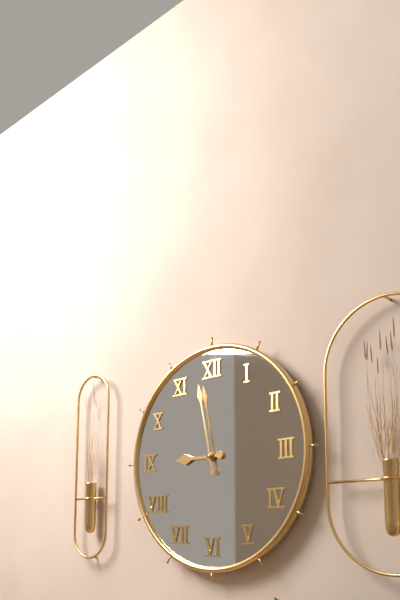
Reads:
{"hour": 8, "minute": 58}
